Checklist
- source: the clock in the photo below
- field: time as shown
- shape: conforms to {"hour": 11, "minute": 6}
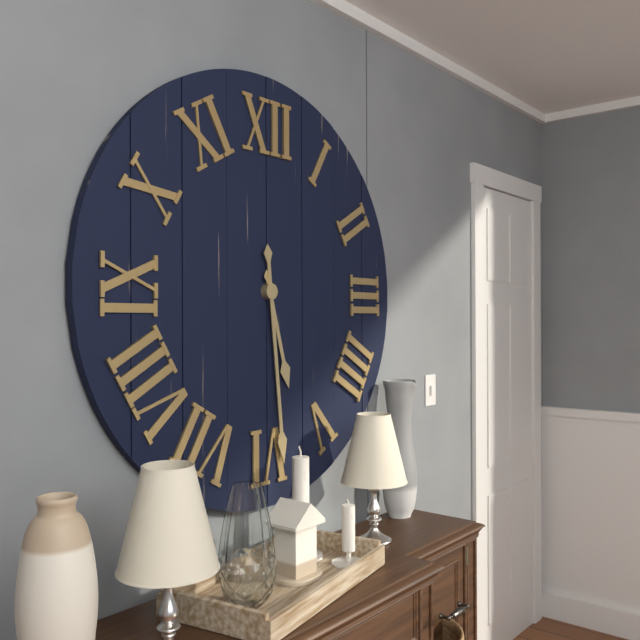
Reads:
{"hour": 5, "minute": 29}
